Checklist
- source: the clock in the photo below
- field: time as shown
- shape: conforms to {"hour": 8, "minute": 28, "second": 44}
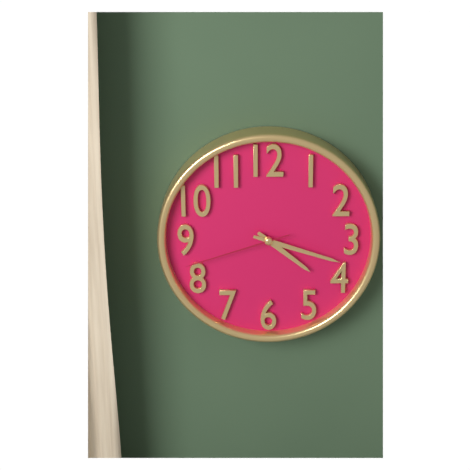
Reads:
{"hour": 4, "minute": 18, "second": 42}
